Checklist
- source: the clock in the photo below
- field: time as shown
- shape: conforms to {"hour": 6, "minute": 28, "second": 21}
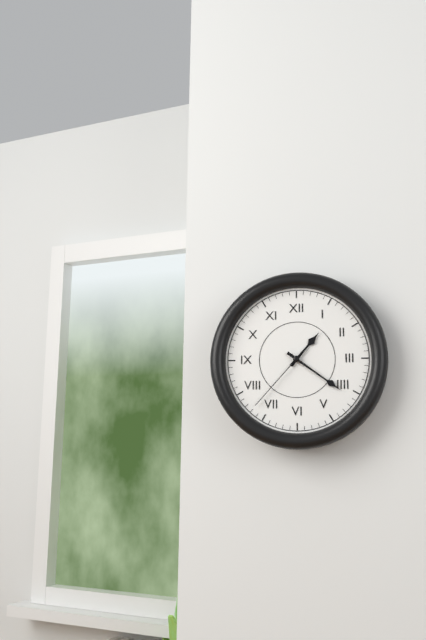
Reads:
{"hour": 1, "minute": 21, "second": 37}
